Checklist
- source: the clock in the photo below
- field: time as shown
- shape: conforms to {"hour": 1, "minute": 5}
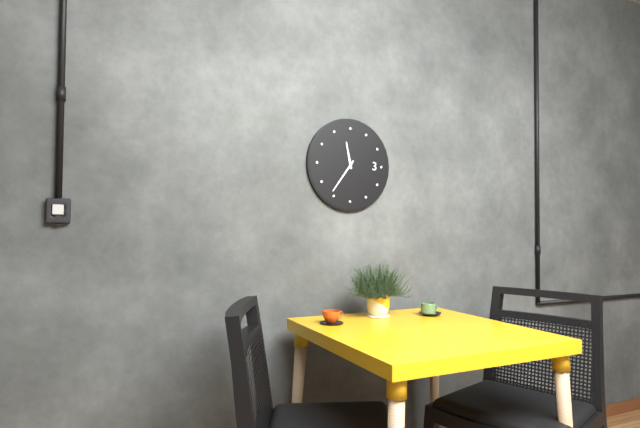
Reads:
{"hour": 11, "minute": 36}
